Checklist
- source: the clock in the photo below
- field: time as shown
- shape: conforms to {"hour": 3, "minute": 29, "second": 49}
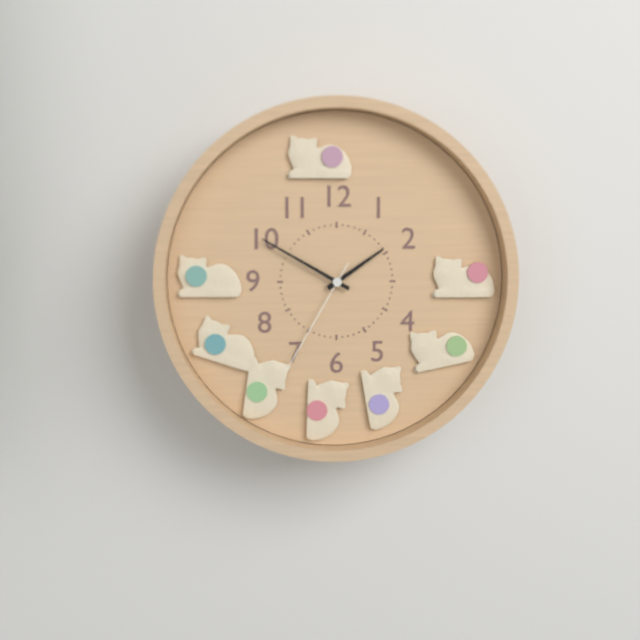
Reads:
{"hour": 1, "minute": 50, "second": 35}
